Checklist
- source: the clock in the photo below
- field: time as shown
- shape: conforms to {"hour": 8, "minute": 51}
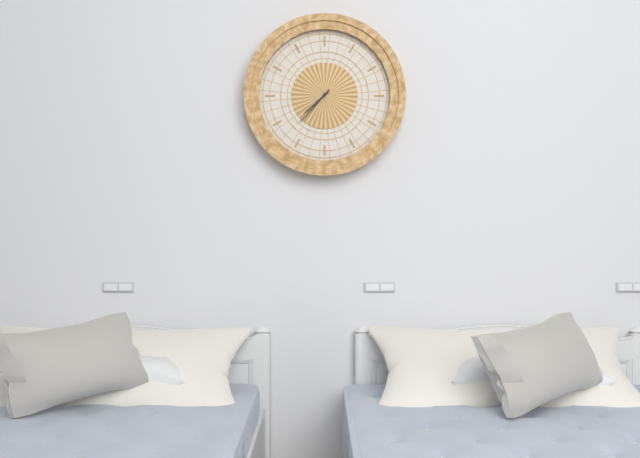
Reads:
{"hour": 7, "minute": 37}
